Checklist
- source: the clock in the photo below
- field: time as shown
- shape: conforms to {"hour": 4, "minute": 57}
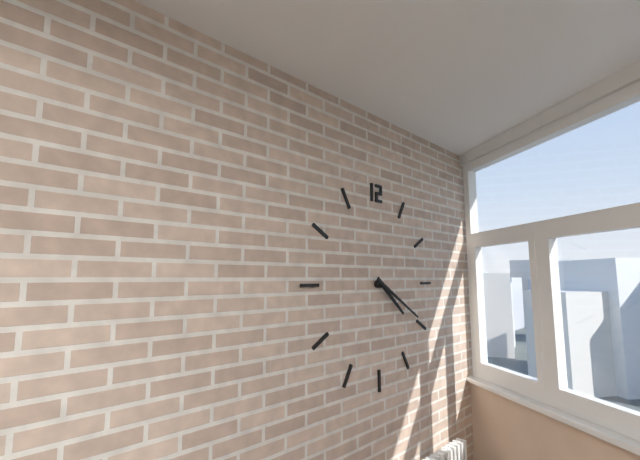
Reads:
{"hour": 4, "minute": 20}
